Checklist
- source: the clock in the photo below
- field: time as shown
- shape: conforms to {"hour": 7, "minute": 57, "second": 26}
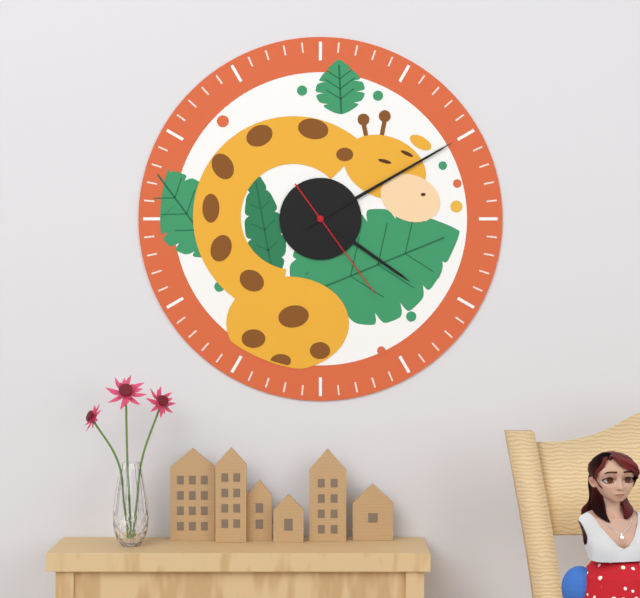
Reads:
{"hour": 4, "minute": 10, "second": 24}
